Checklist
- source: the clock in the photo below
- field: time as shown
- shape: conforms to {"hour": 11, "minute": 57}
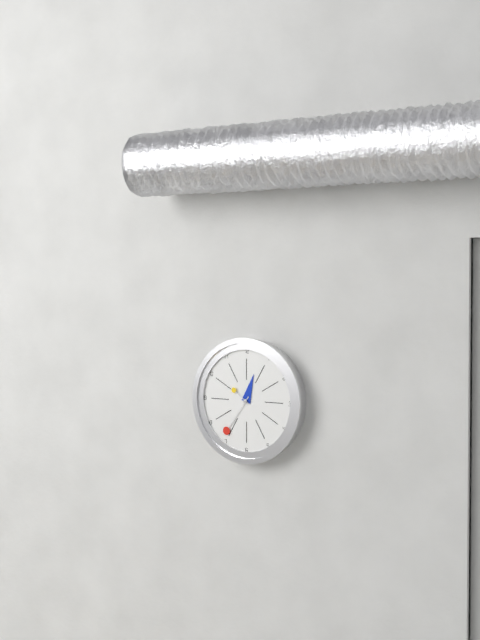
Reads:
{"hour": 12, "minute": 36}
